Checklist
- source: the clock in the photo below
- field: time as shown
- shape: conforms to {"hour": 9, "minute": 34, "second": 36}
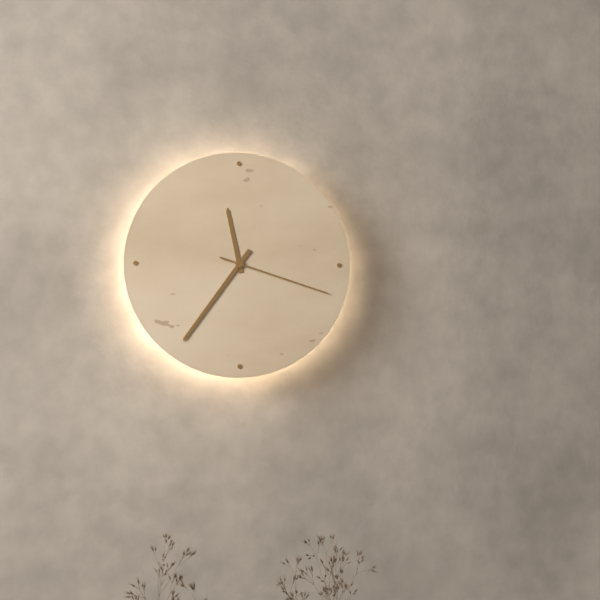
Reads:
{"hour": 11, "minute": 36, "second": 18}
